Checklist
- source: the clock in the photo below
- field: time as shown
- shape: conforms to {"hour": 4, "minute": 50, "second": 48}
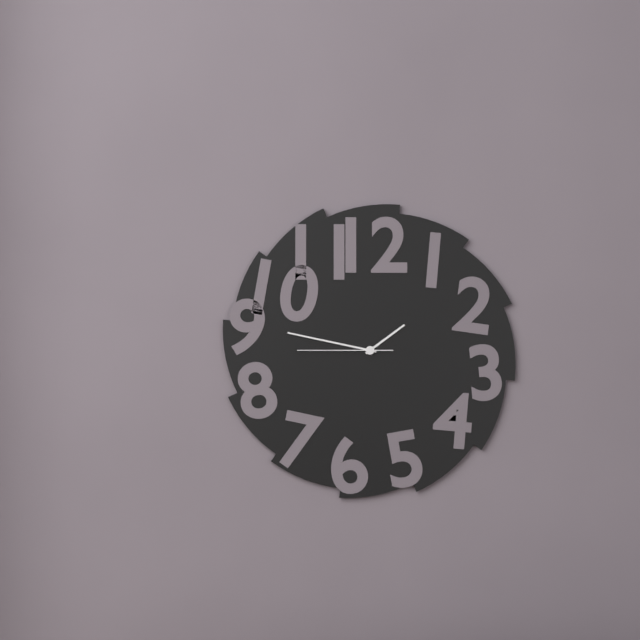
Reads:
{"hour": 1, "minute": 47, "second": 45}
